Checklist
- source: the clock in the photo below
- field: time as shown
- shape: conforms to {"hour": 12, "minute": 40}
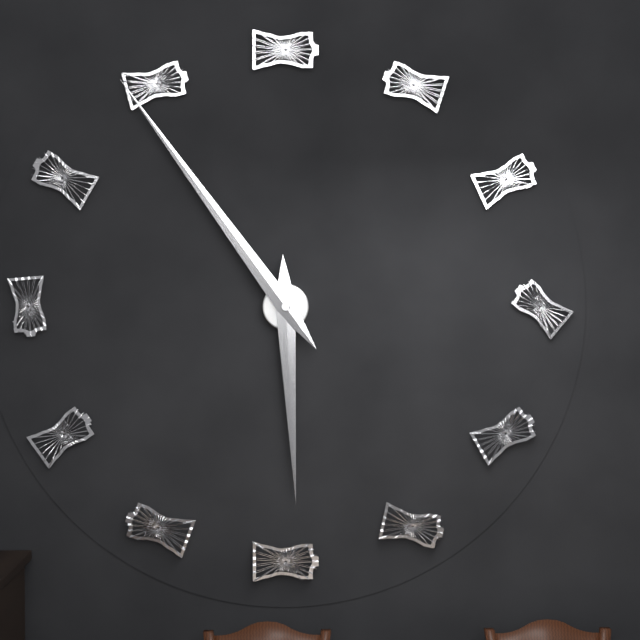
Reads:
{"hour": 5, "minute": 54}
